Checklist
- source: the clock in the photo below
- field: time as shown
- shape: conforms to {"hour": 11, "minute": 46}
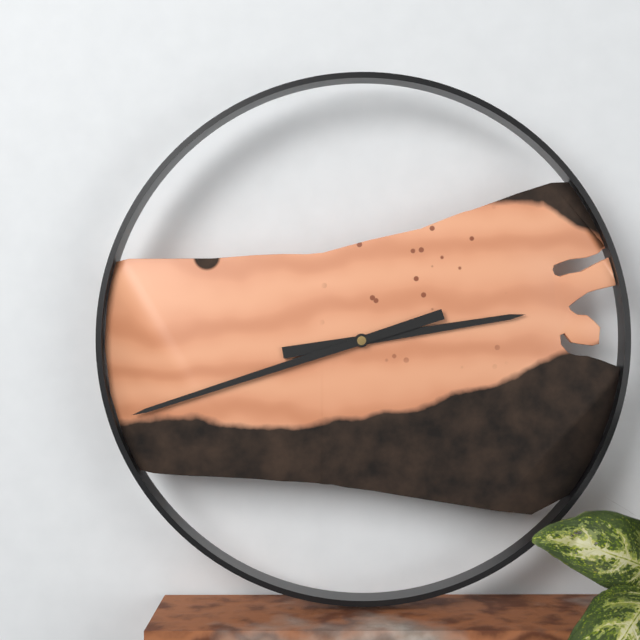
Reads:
{"hour": 2, "minute": 42}
